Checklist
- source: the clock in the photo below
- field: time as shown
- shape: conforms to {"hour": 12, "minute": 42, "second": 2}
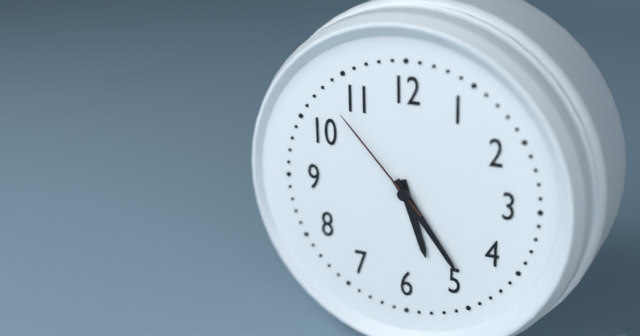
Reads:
{"hour": 5, "minute": 24, "second": 53}
